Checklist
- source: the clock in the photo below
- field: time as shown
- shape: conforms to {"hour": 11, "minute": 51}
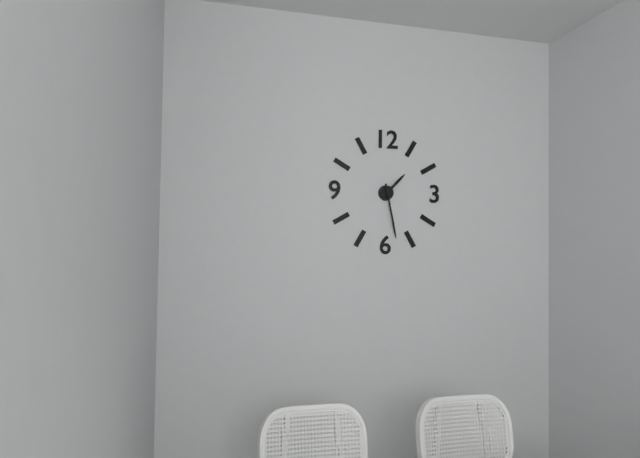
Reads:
{"hour": 1, "minute": 28}
